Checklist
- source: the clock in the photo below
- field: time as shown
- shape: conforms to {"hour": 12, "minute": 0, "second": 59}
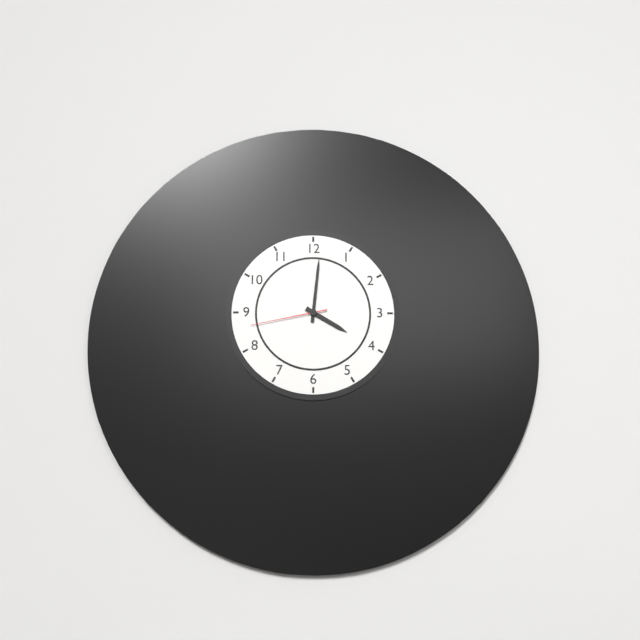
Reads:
{"hour": 4, "minute": 1, "second": 43}
